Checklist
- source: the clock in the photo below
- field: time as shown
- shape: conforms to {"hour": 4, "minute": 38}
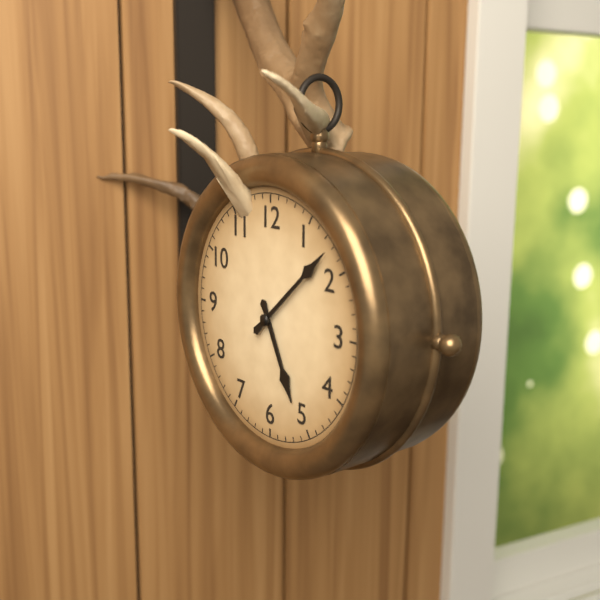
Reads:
{"hour": 5, "minute": 8}
